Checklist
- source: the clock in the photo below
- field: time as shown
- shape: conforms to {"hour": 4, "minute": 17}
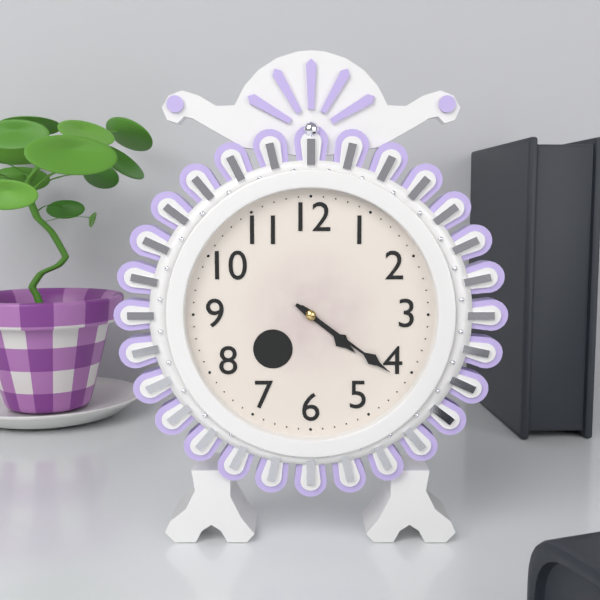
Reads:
{"hour": 4, "minute": 21}
